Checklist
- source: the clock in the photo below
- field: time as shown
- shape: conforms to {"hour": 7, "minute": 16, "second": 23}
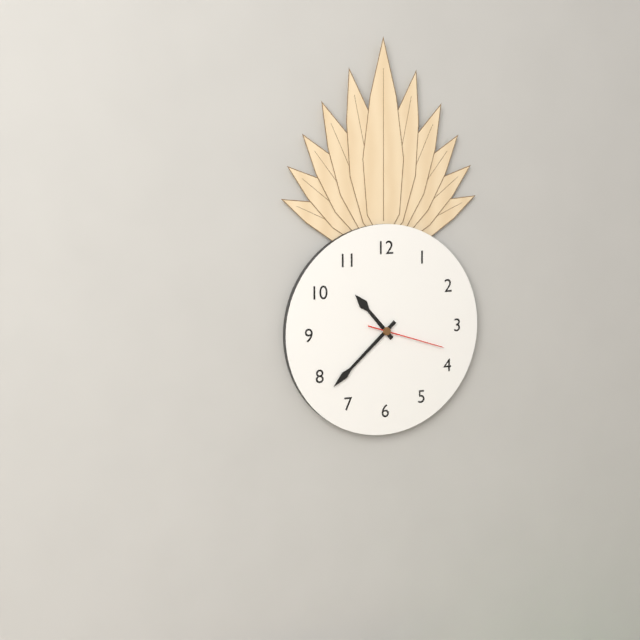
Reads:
{"hour": 10, "minute": 38, "second": 18}
